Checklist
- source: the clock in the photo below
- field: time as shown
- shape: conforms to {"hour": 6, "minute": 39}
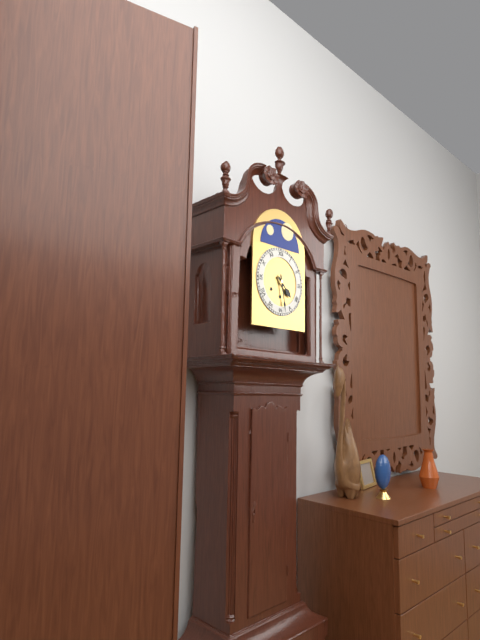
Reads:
{"hour": 4, "minute": 28}
